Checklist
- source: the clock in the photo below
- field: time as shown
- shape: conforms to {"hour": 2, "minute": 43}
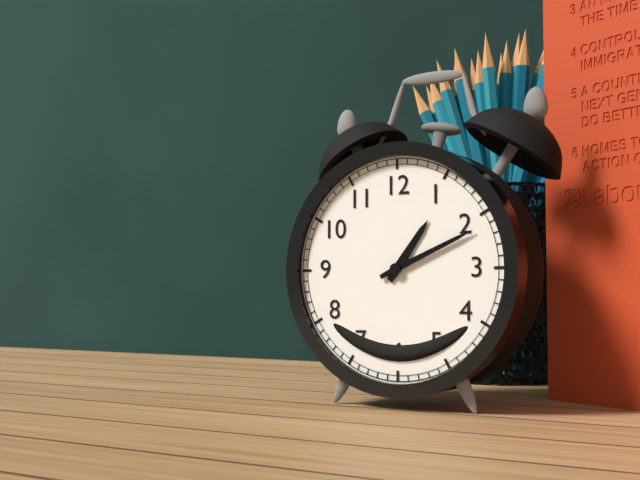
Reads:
{"hour": 1, "minute": 11}
